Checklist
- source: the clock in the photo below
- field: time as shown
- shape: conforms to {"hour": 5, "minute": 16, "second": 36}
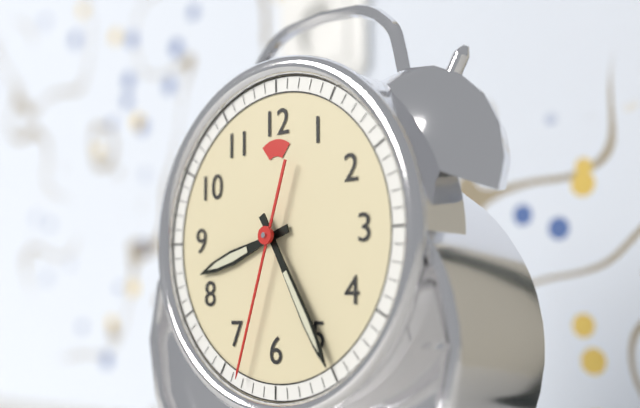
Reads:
{"hour": 8, "minute": 25, "second": 33}
